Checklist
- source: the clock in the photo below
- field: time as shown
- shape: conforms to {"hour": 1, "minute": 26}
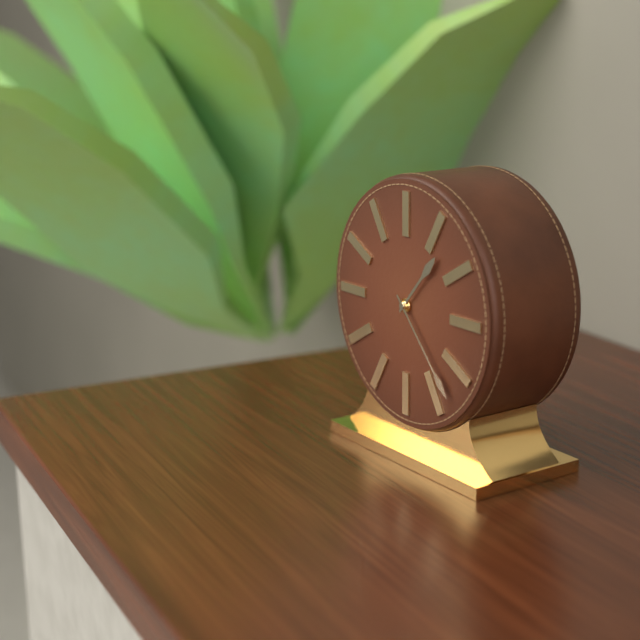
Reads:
{"hour": 1, "minute": 23}
